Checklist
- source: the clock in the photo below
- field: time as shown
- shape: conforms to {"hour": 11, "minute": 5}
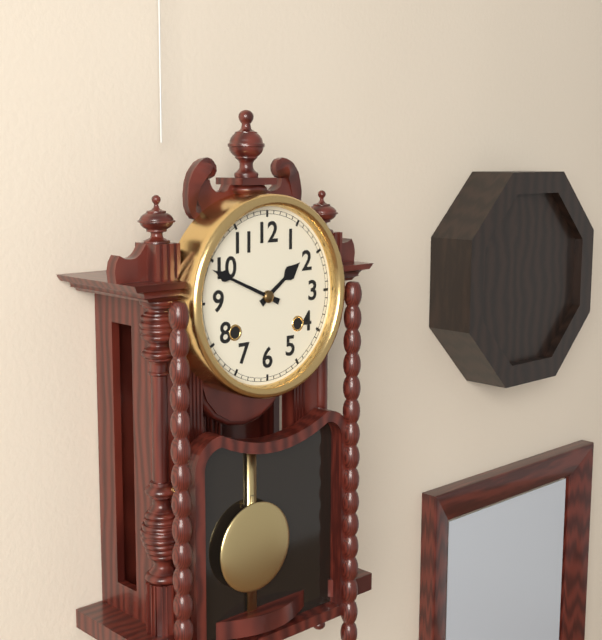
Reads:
{"hour": 1, "minute": 49}
